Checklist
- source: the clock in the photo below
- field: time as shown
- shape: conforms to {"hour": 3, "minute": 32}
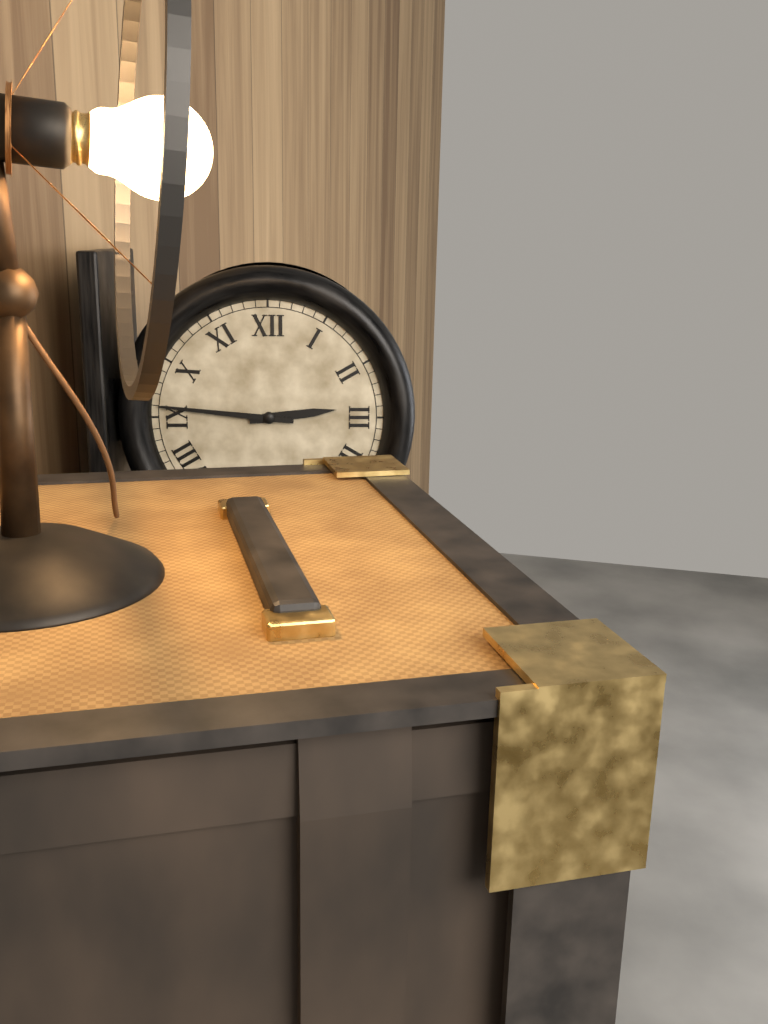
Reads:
{"hour": 2, "minute": 46}
